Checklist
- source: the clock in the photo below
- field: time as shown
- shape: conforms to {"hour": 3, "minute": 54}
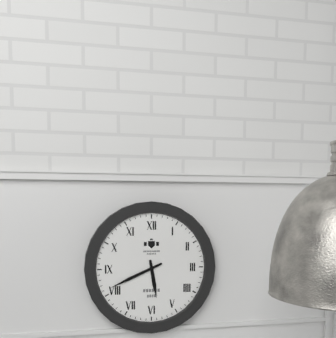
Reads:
{"hour": 5, "minute": 41}
